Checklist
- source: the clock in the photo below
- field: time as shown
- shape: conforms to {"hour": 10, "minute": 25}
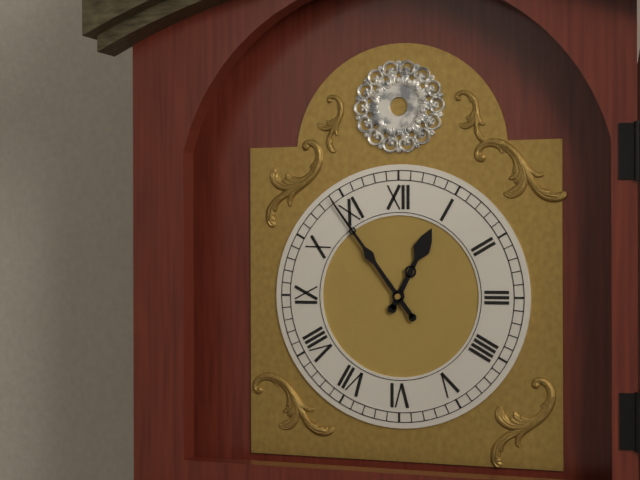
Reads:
{"hour": 12, "minute": 54}
